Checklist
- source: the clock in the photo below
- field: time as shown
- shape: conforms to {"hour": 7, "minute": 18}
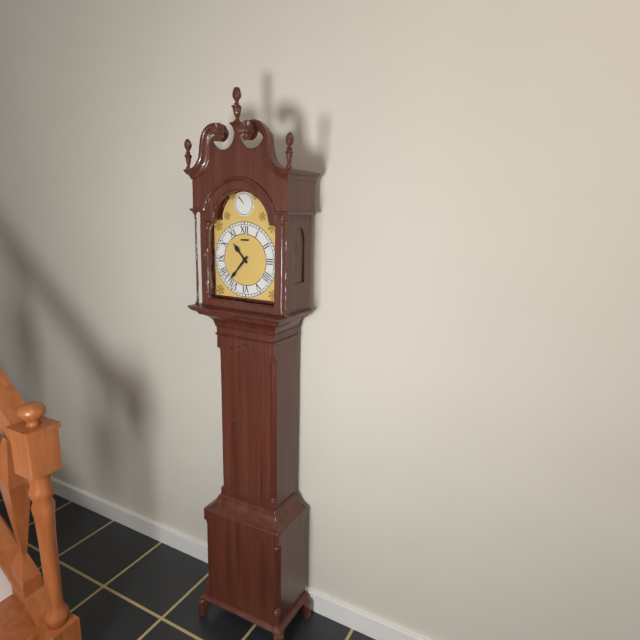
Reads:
{"hour": 10, "minute": 37}
